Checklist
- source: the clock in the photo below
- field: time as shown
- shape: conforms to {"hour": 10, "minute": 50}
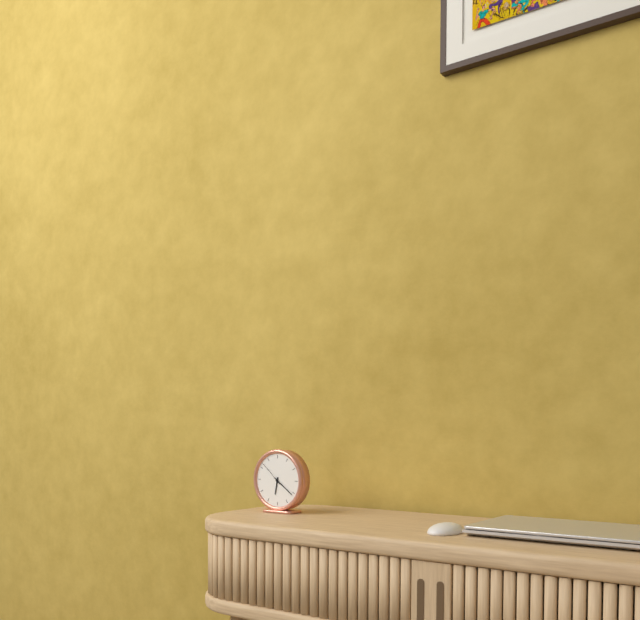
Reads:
{"hour": 6, "minute": 21}
